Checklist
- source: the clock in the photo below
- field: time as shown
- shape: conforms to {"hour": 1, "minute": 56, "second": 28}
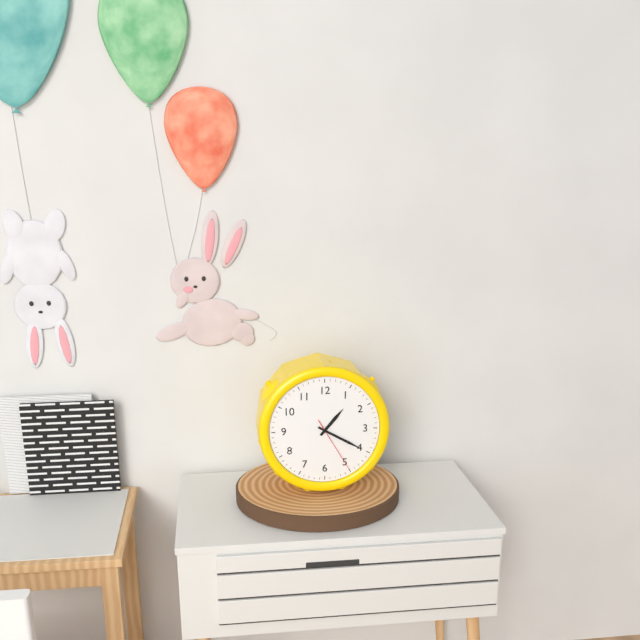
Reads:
{"hour": 1, "minute": 20, "second": 25}
